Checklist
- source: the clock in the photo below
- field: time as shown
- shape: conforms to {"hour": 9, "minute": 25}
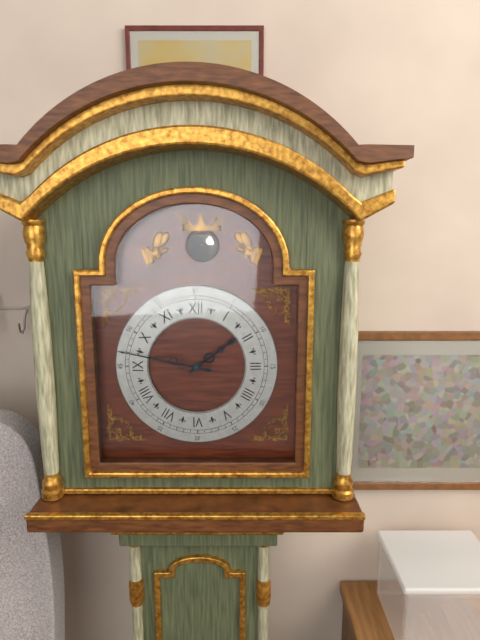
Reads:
{"hour": 1, "minute": 47}
